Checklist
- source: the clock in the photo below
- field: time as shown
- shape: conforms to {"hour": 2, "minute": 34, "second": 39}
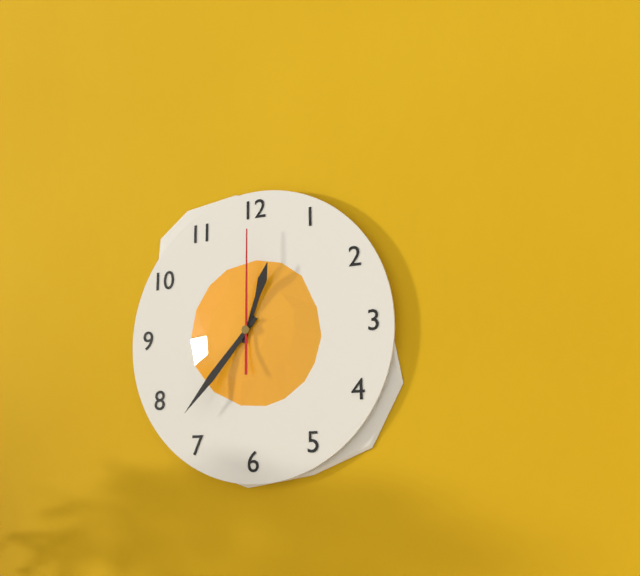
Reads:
{"hour": 12, "minute": 37, "second": 0}
